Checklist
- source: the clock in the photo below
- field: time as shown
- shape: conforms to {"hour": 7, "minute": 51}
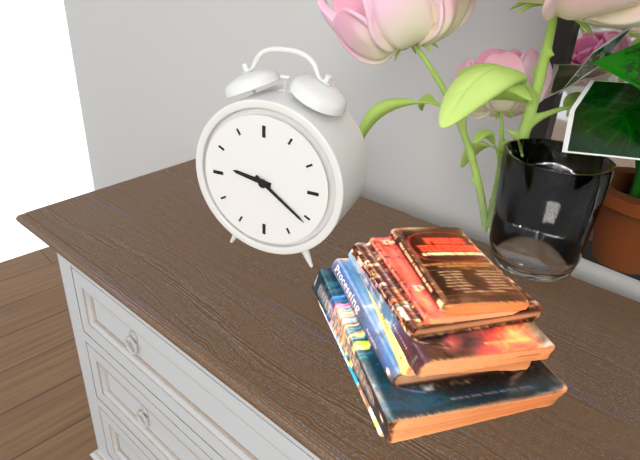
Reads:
{"hour": 9, "minute": 21}
